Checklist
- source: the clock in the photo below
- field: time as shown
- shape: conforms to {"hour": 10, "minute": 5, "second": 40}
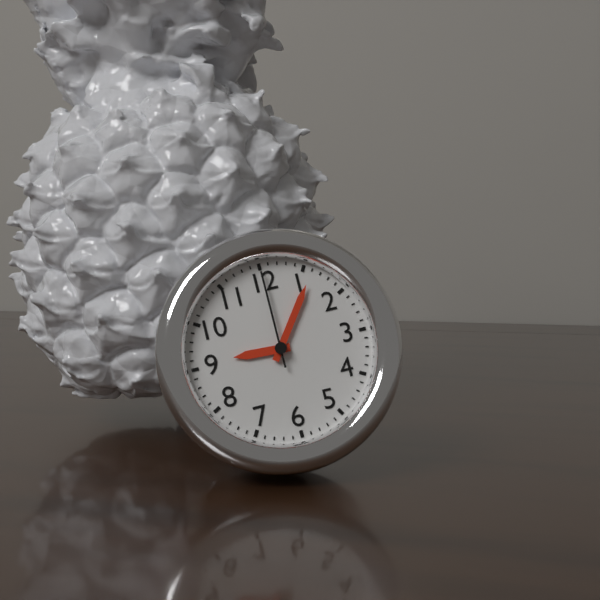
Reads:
{"hour": 9, "minute": 6, "second": 0}
